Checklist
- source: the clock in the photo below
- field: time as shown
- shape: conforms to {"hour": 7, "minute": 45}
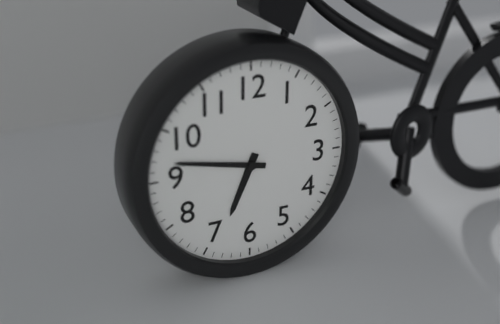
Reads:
{"hour": 6, "minute": 47}
